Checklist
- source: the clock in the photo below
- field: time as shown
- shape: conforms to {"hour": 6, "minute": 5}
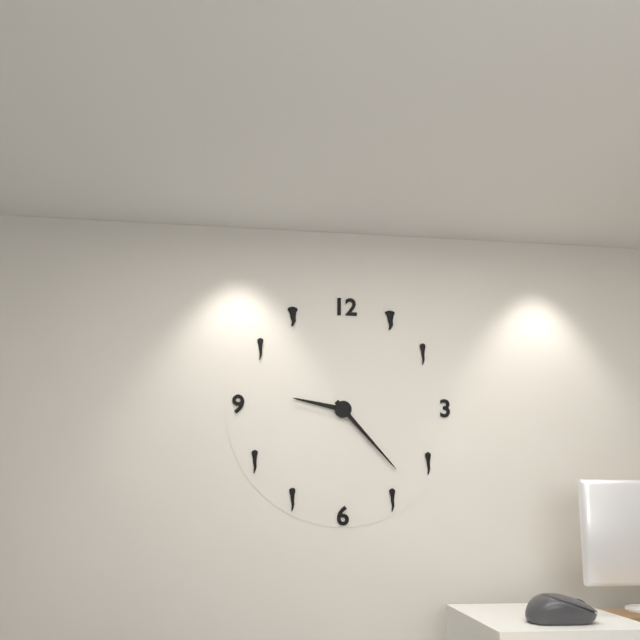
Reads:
{"hour": 9, "minute": 23}
